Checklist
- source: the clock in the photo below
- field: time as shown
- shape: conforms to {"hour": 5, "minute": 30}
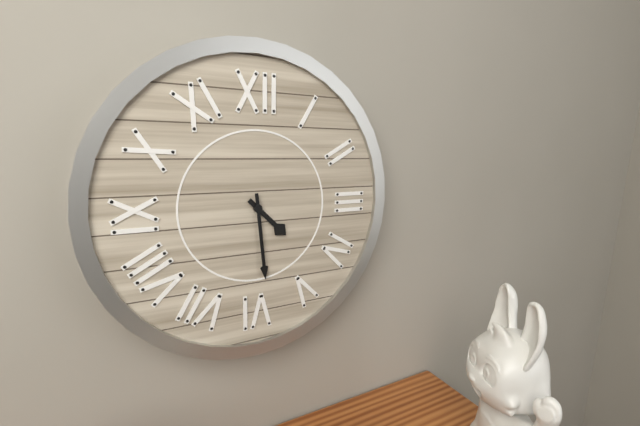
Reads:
{"hour": 4, "minute": 29}
